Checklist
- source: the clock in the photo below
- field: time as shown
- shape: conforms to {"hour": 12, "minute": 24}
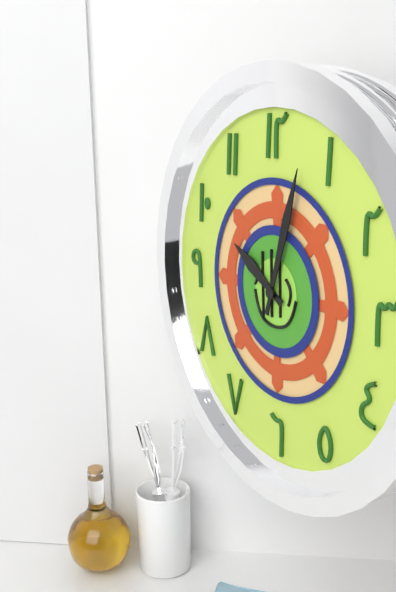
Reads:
{"hour": 10, "minute": 3}
